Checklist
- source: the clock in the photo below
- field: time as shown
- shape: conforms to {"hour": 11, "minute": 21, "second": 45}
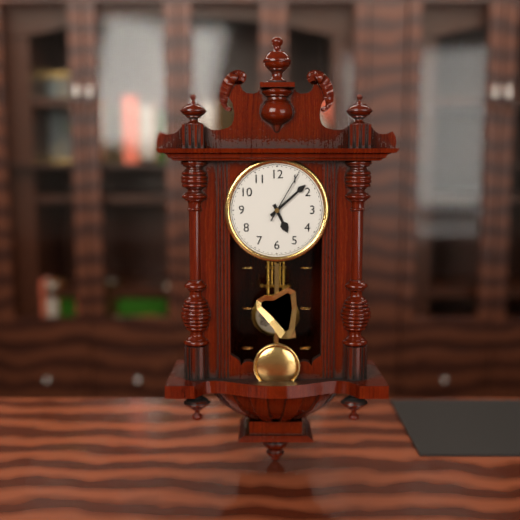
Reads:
{"hour": 5, "minute": 8, "second": 5}
